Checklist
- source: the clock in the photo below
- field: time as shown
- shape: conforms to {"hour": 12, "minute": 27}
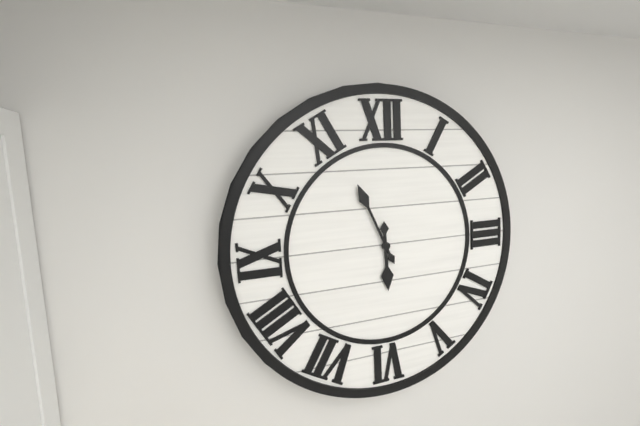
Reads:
{"hour": 5, "minute": 56}
